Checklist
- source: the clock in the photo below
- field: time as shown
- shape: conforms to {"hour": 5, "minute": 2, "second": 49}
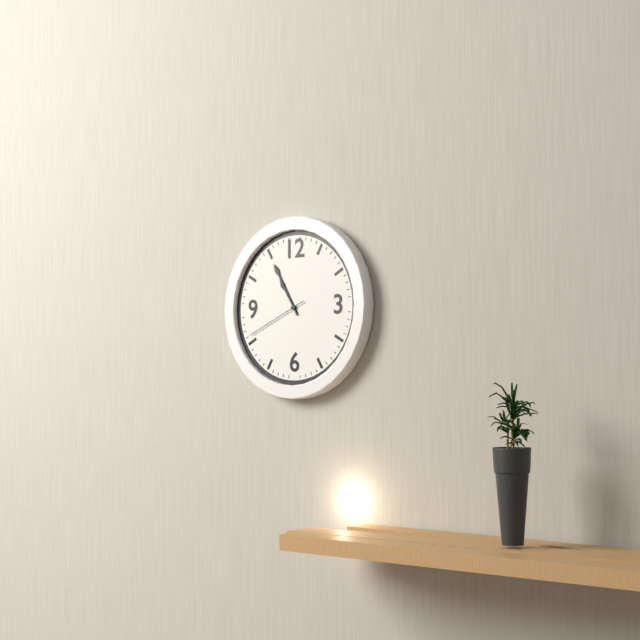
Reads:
{"hour": 10, "minute": 55, "second": 41}
